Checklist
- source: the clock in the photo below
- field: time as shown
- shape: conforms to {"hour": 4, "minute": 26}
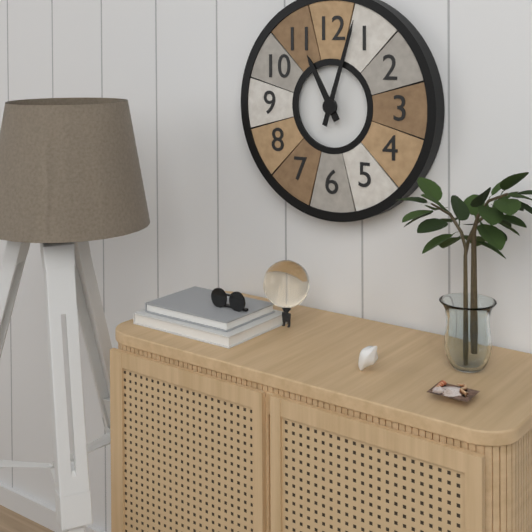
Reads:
{"hour": 11, "minute": 3}
